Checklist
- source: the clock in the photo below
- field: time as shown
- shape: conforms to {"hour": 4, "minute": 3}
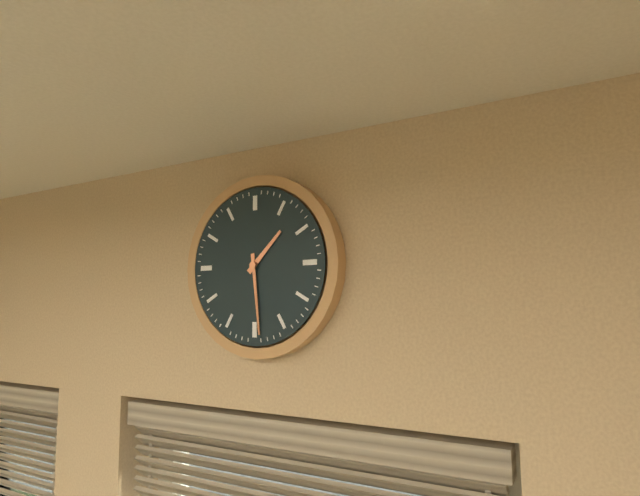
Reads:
{"hour": 1, "minute": 29}
